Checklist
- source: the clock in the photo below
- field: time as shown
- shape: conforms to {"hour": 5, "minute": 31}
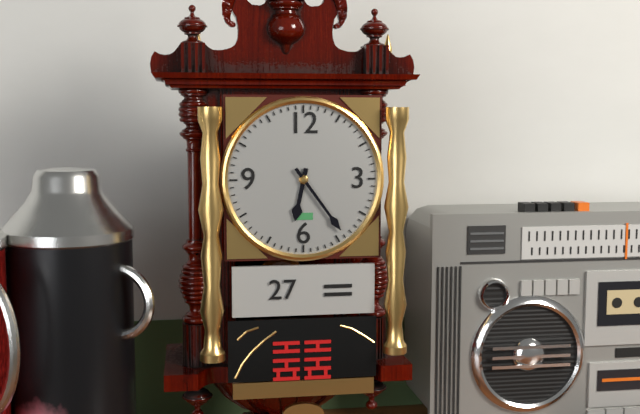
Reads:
{"hour": 6, "minute": 24}
